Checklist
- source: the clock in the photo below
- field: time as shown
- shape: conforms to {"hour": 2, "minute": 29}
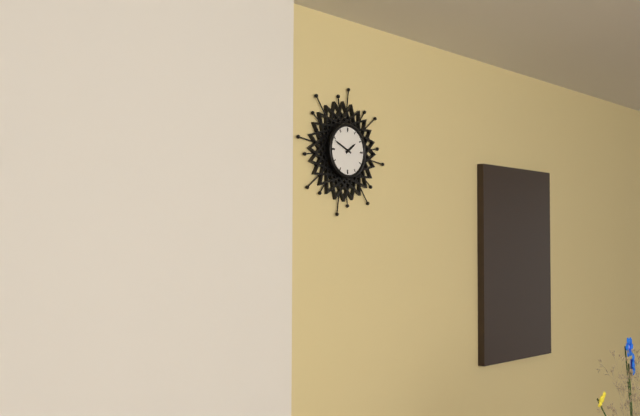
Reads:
{"hour": 1, "minute": 49}
